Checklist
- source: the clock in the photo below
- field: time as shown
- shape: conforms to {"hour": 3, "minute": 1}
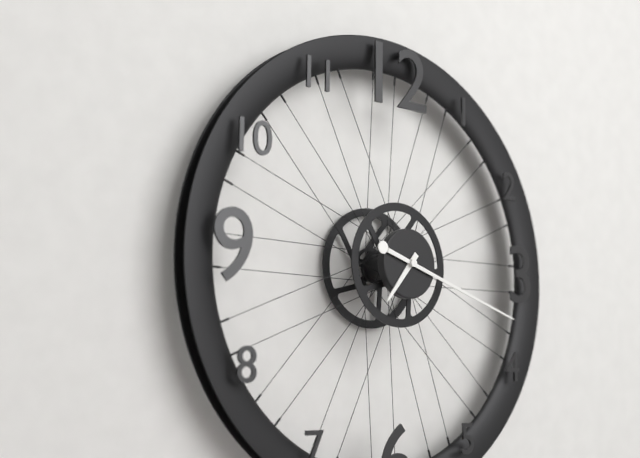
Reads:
{"hour": 7, "minute": 18}
